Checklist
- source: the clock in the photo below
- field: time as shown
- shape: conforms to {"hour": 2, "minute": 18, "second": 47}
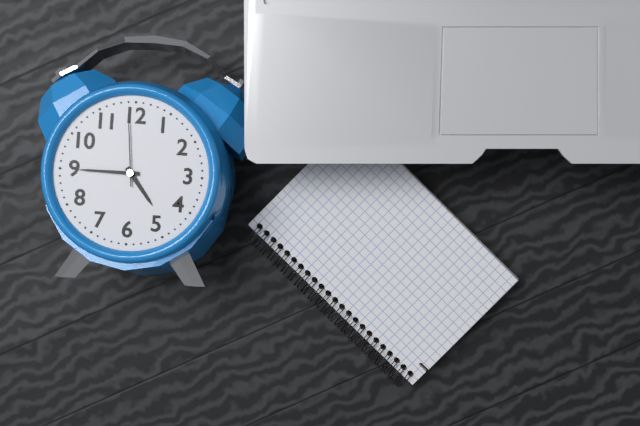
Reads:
{"hour": 4, "minute": 45, "second": 59}
